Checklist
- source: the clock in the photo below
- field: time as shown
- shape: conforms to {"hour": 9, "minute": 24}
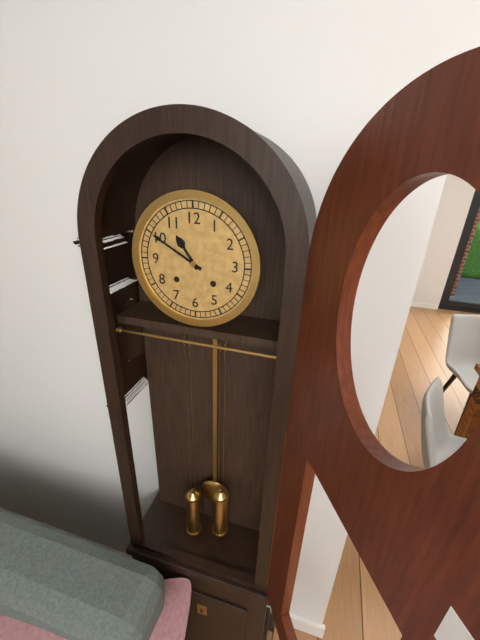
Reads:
{"hour": 10, "minute": 50}
